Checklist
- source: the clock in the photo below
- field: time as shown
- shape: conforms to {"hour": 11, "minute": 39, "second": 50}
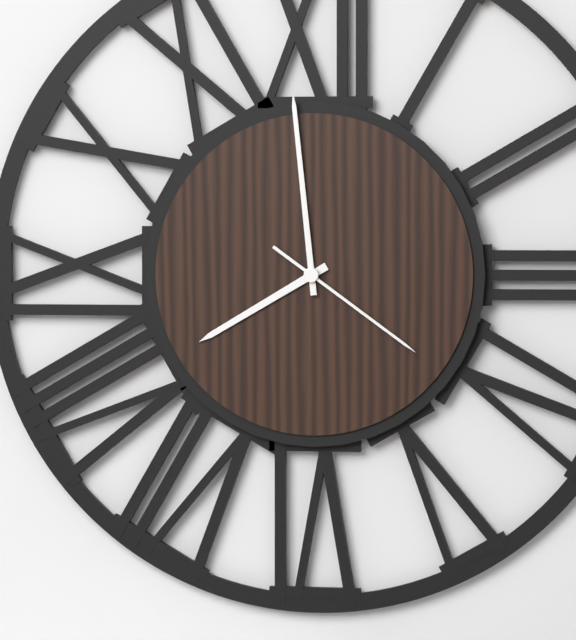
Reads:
{"hour": 7, "minute": 59, "second": 21}
